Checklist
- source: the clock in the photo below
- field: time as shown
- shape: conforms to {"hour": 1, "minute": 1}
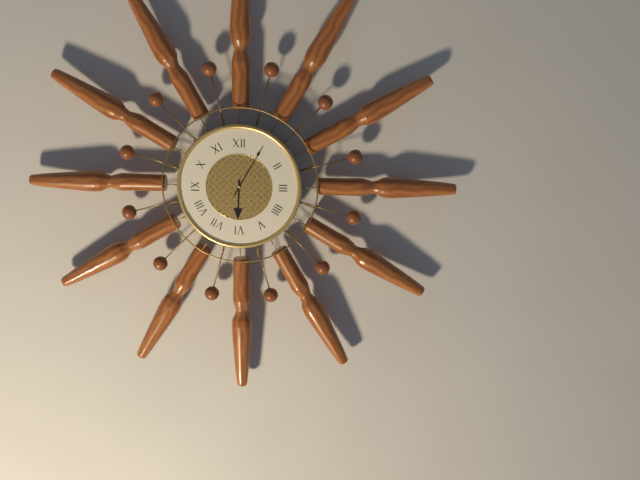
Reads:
{"hour": 6, "minute": 5}
